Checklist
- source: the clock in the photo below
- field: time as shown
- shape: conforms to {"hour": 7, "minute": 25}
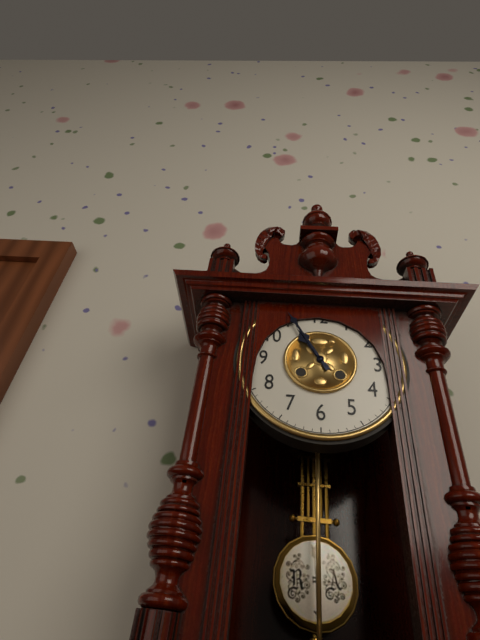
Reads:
{"hour": 10, "minute": 55}
